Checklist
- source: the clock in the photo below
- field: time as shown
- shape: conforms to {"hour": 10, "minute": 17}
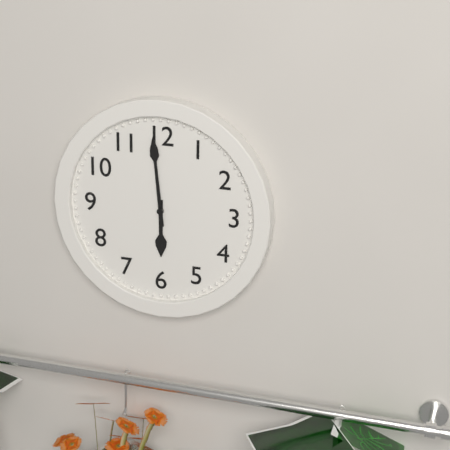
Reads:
{"hour": 5, "minute": 59}
